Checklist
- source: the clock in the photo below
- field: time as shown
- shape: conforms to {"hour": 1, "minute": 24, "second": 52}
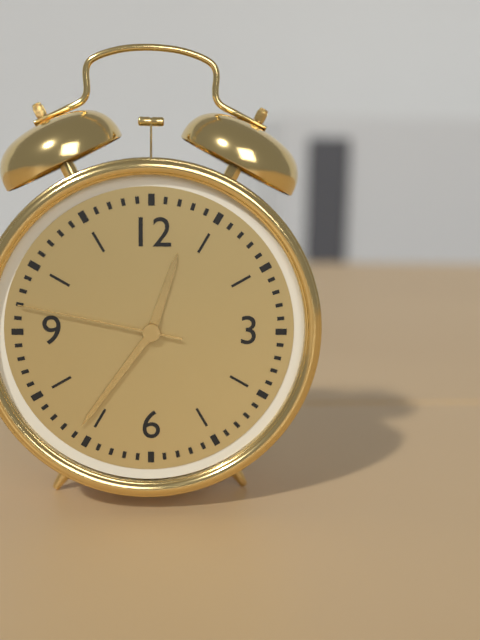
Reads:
{"hour": 12, "minute": 36, "second": 47}
